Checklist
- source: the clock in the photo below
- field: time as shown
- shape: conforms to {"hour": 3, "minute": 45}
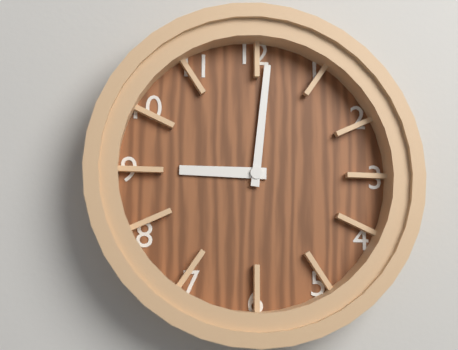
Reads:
{"hour": 9, "minute": 1}
